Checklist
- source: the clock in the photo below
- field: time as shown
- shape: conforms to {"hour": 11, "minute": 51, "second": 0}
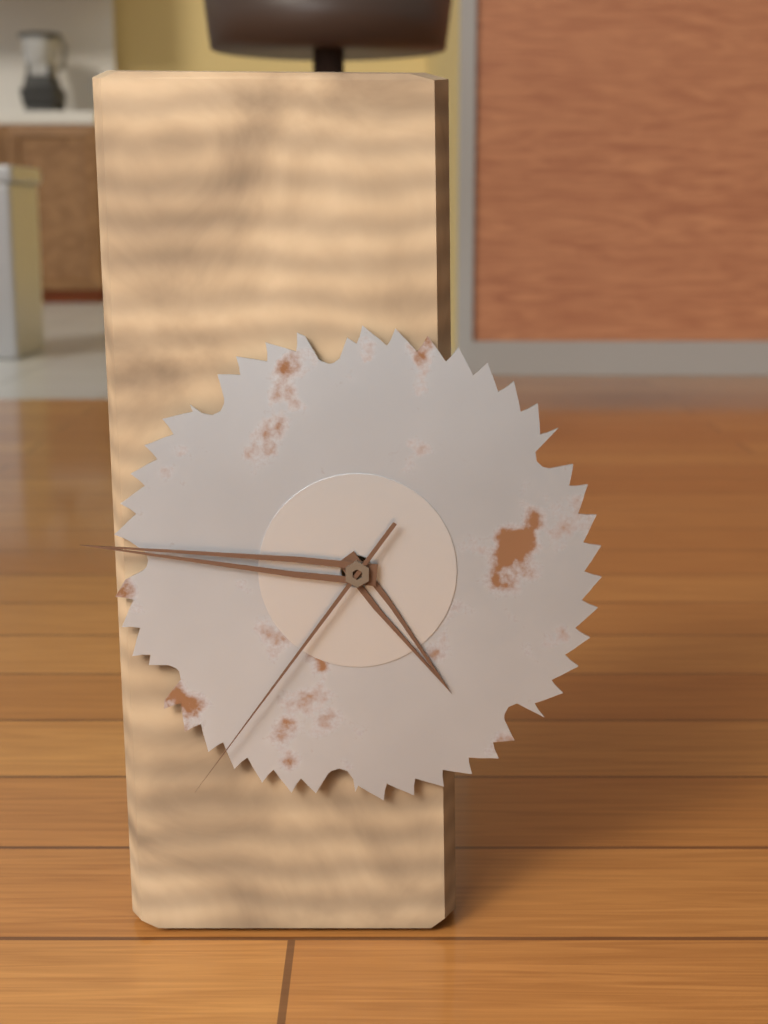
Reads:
{"hour": 4, "minute": 46, "second": 36}
